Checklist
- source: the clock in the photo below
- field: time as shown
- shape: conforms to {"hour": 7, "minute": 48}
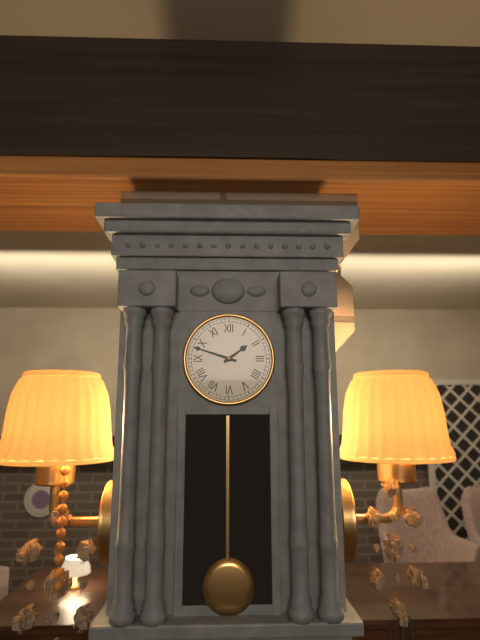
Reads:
{"hour": 1, "minute": 48}
